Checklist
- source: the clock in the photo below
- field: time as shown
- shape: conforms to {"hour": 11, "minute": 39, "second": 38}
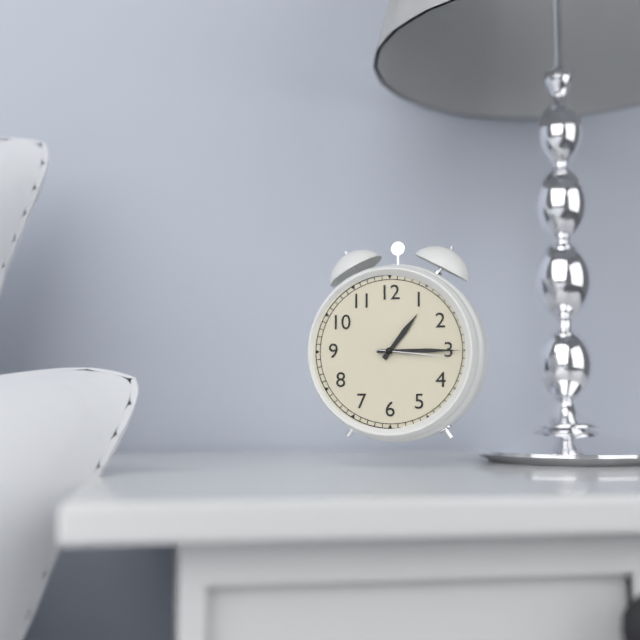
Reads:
{"hour": 1, "minute": 15, "second": 16}
